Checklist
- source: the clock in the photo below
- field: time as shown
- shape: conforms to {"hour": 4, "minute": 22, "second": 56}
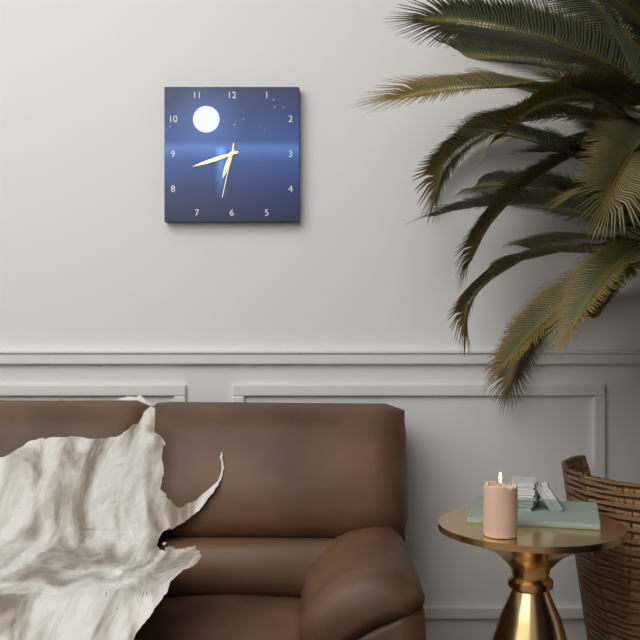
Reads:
{"hour": 6, "minute": 42, "second": 32}
